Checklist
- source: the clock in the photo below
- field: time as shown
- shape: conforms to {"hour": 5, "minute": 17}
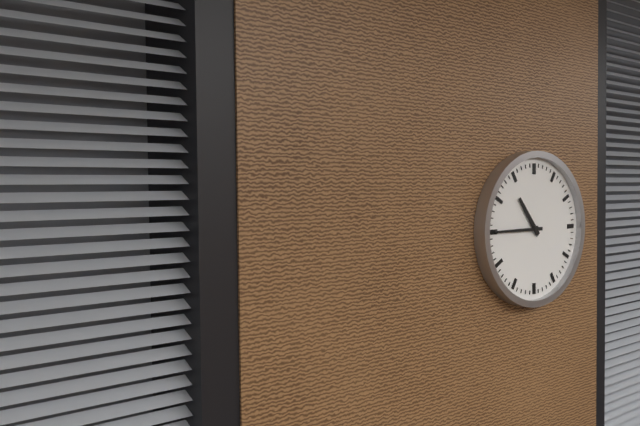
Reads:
{"hour": 10, "minute": 45}
